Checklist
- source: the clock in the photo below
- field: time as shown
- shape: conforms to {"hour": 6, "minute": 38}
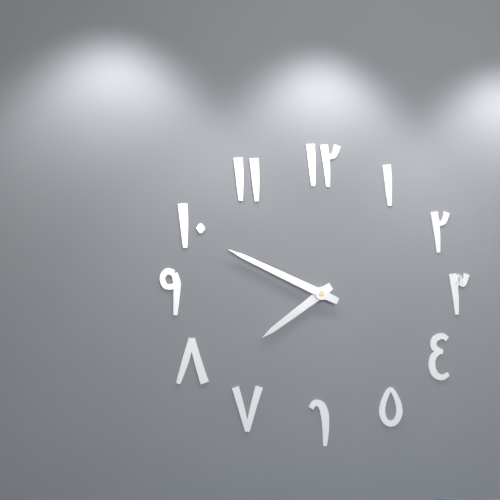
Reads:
{"hour": 7, "minute": 49}
